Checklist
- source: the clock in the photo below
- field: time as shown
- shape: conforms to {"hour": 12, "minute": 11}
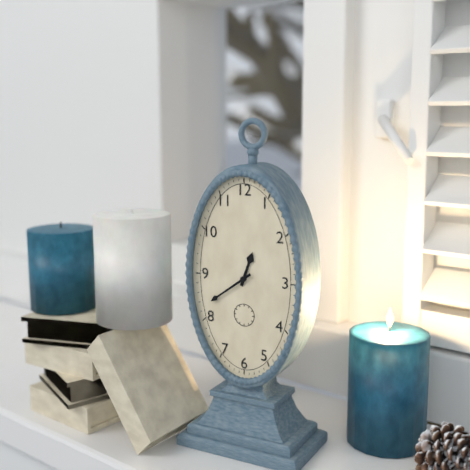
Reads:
{"hour": 12, "minute": 39}
